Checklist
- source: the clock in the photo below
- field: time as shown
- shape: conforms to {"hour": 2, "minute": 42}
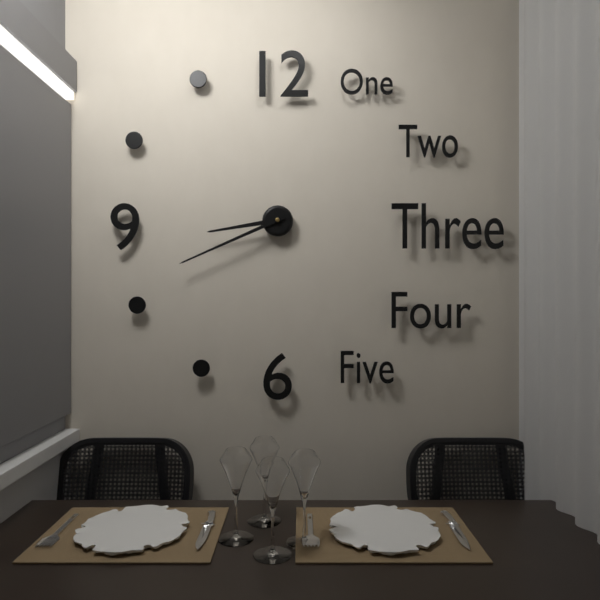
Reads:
{"hour": 8, "minute": 41}
